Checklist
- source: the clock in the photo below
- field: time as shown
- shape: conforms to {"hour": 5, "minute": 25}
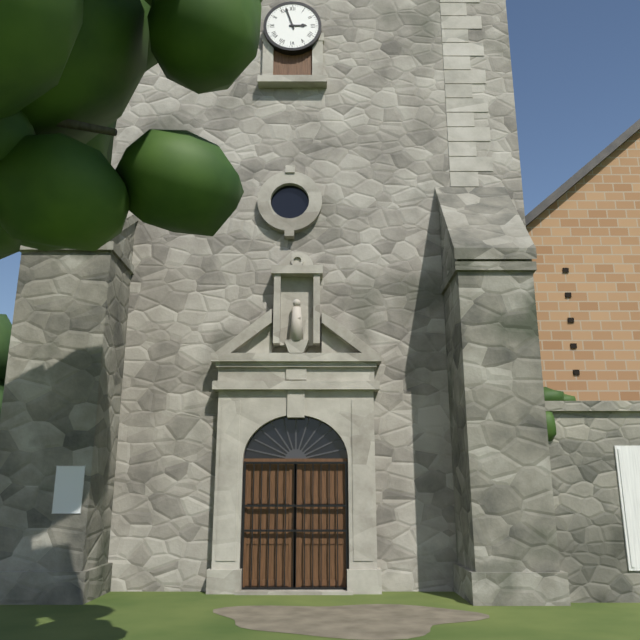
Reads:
{"hour": 2, "minute": 57}
